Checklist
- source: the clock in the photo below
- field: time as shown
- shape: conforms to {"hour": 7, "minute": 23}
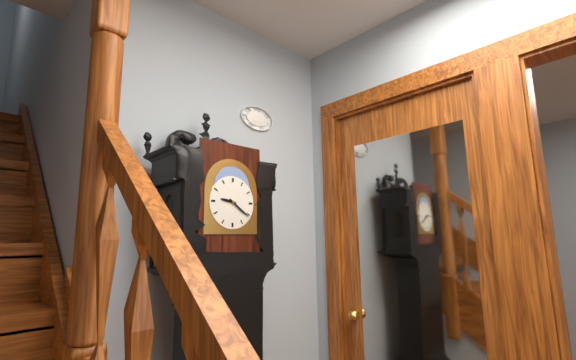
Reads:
{"hour": 9, "minute": 21}
